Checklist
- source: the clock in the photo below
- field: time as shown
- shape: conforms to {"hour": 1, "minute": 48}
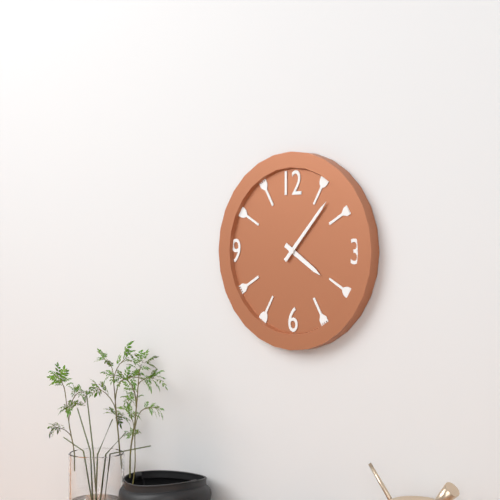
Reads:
{"hour": 4, "minute": 7}
